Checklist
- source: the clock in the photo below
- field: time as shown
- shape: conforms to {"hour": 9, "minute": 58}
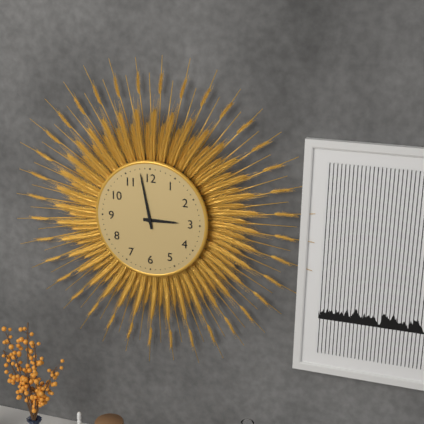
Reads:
{"hour": 2, "minute": 58}
